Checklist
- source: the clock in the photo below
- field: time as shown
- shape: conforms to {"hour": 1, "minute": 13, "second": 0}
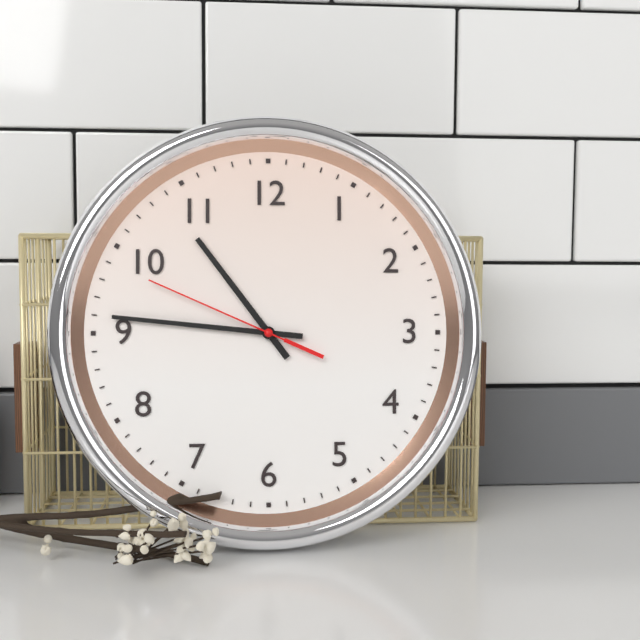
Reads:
{"hour": 10, "minute": 46, "second": 49}
